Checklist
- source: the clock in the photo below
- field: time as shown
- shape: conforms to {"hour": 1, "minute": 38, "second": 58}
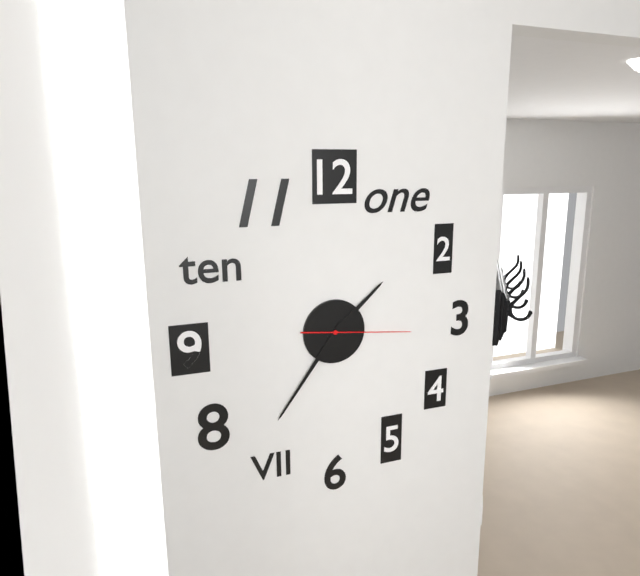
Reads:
{"hour": 1, "minute": 36, "second": 16}
